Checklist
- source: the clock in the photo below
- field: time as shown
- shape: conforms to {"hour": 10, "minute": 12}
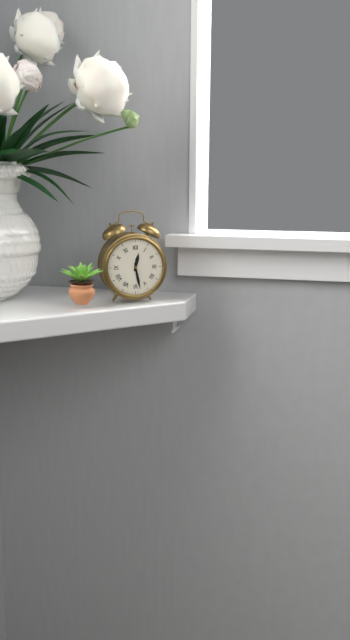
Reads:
{"hour": 12, "minute": 28}
